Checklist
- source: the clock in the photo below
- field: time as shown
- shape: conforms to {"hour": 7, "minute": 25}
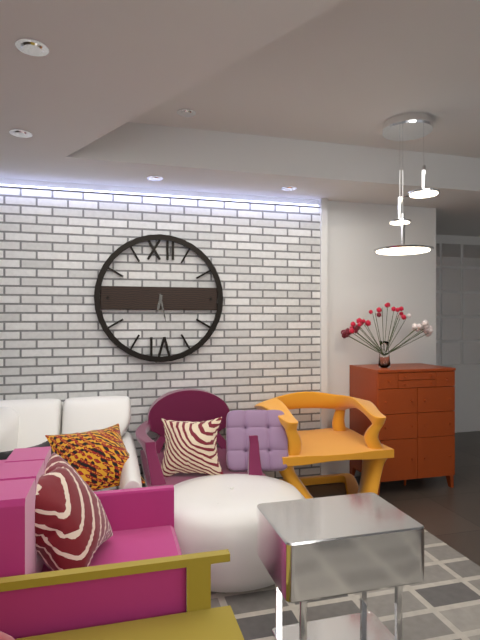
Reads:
{"hour": 6, "minute": 28}
